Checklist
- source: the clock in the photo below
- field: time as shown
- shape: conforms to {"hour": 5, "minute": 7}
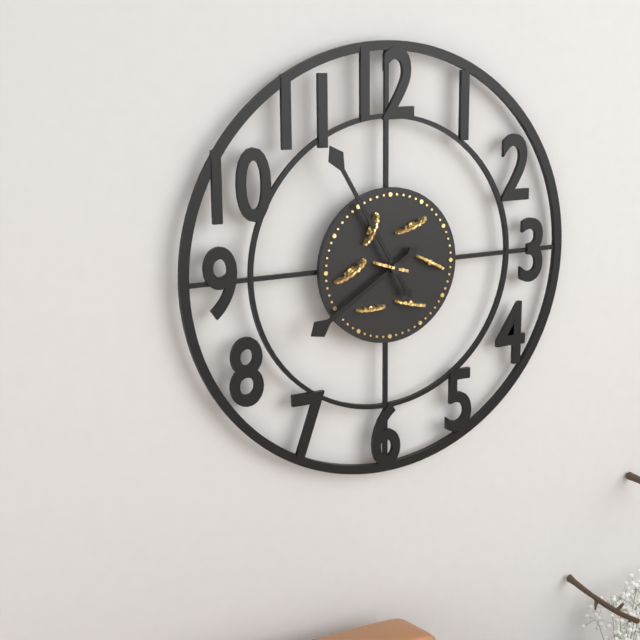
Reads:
{"hour": 7, "minute": 55}
